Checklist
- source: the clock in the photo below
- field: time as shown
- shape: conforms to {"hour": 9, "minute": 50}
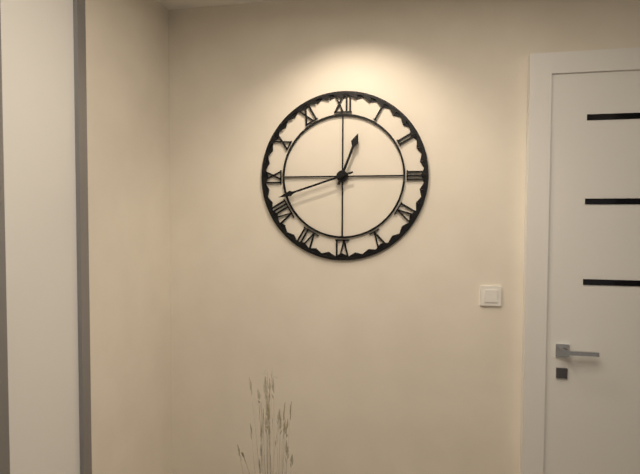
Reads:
{"hour": 12, "minute": 42}
